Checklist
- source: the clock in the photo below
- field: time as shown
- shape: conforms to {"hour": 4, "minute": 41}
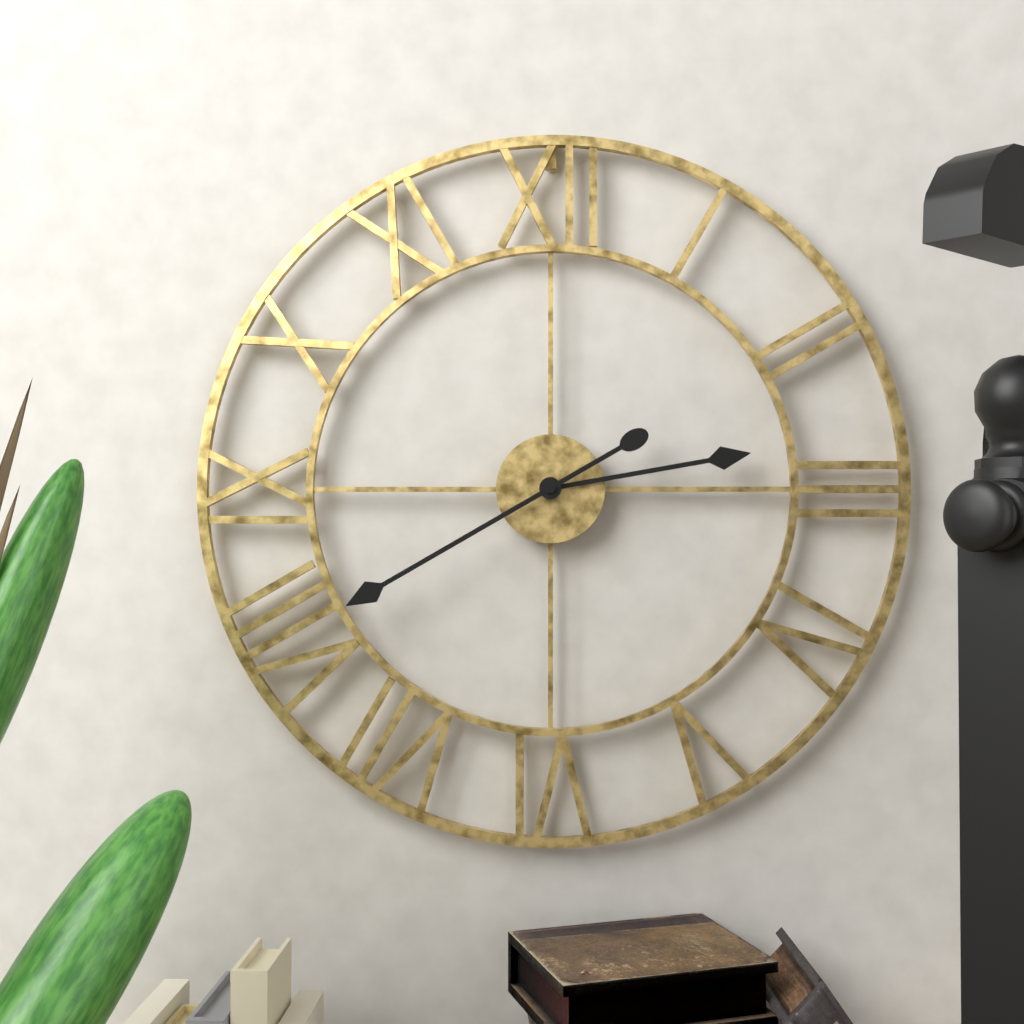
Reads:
{"hour": 2, "minute": 40}
